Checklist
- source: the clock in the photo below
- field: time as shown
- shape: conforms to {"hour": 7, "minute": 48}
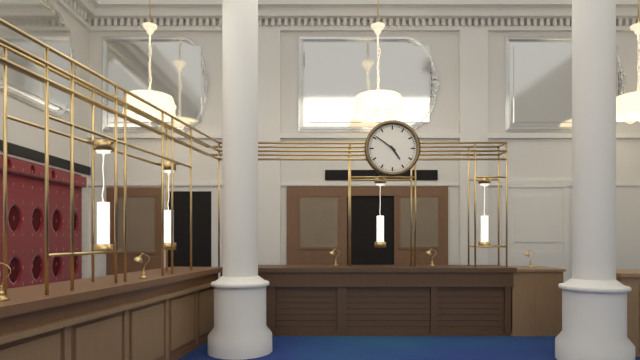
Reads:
{"hour": 4, "minute": 51}
